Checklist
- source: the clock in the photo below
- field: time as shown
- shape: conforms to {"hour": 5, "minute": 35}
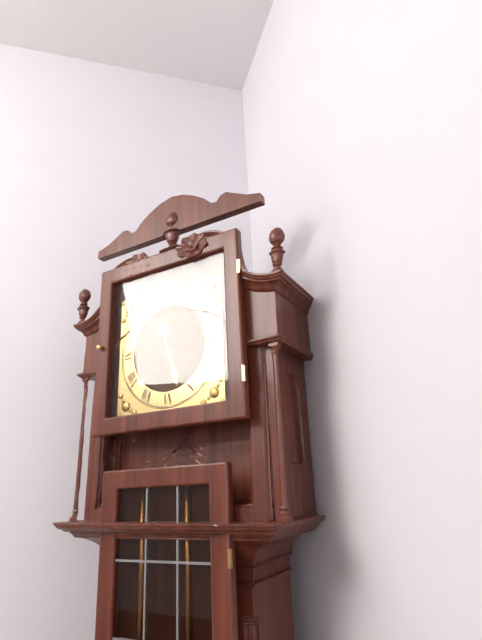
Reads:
{"hour": 11, "minute": 27}
